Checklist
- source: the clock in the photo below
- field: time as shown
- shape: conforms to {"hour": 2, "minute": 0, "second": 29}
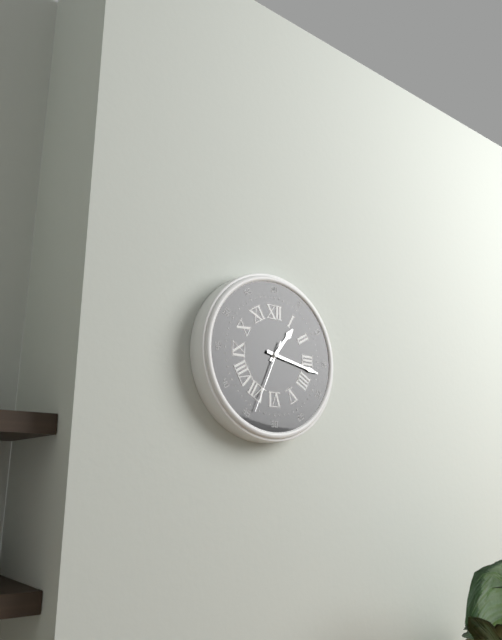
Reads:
{"hour": 1, "minute": 17, "second": 34}
